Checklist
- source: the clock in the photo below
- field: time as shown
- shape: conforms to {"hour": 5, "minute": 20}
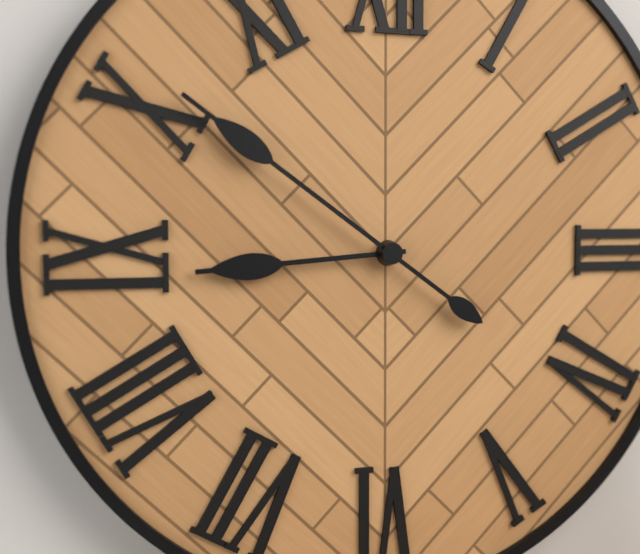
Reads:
{"hour": 8, "minute": 51}
